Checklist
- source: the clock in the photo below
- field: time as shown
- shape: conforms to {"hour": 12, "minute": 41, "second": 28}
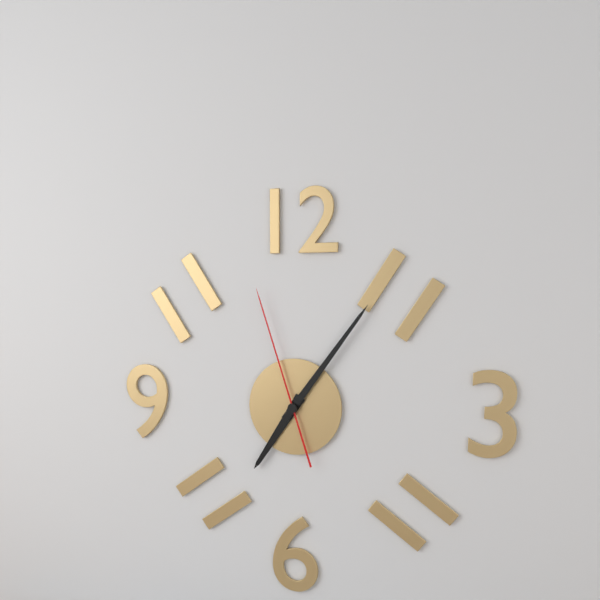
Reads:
{"hour": 7, "minute": 6, "second": 57}
